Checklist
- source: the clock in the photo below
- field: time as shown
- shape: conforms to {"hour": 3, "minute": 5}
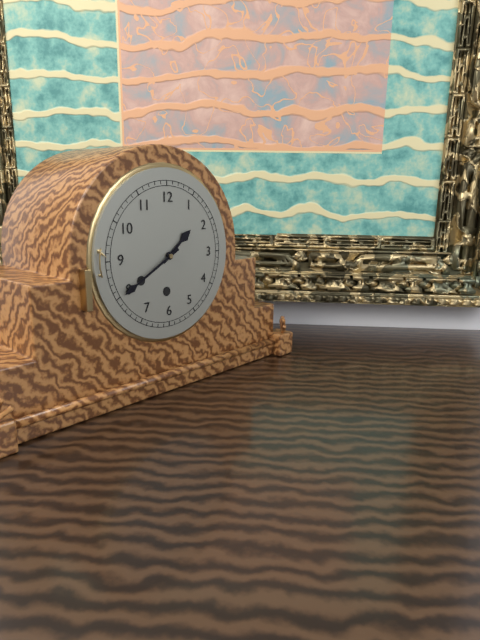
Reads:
{"hour": 1, "minute": 40}
